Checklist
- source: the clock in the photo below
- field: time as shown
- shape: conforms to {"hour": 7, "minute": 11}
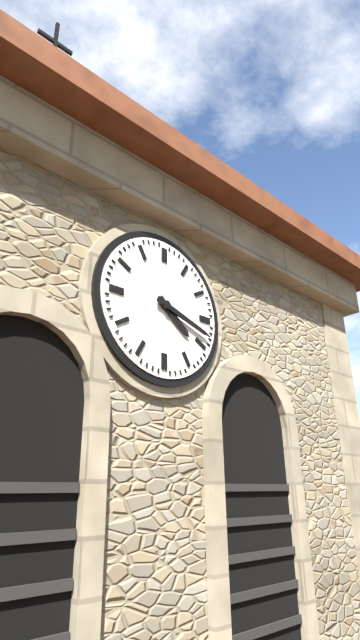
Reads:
{"hour": 4, "minute": 18}
